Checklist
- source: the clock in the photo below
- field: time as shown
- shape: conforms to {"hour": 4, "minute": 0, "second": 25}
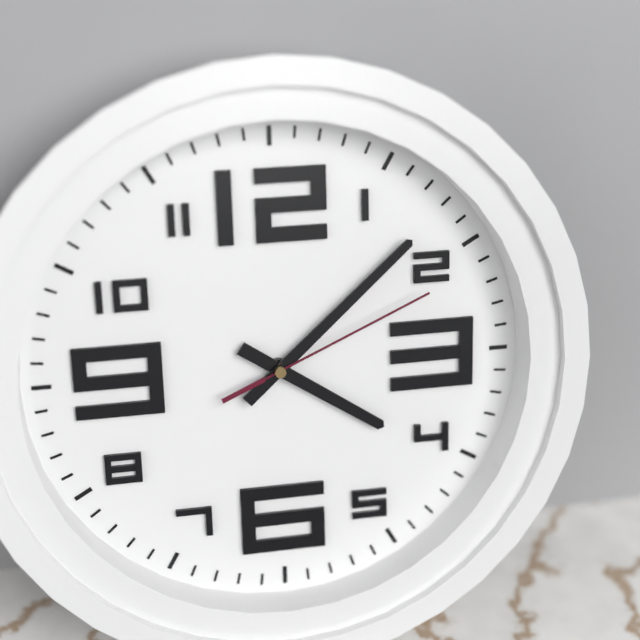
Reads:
{"hour": 4, "minute": 8, "second": 11}
